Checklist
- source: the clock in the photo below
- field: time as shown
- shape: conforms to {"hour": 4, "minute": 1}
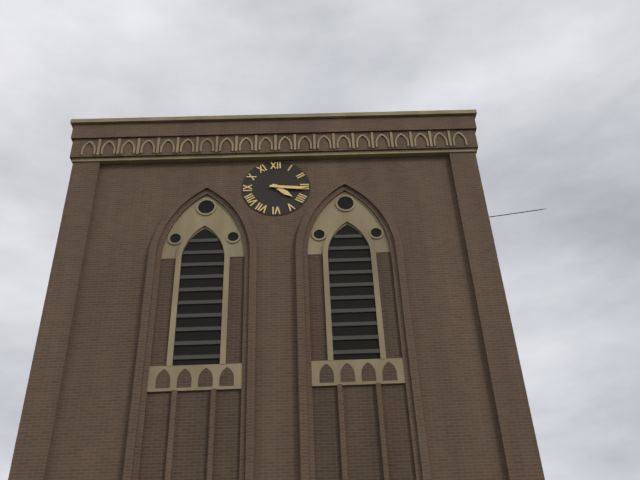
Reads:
{"hour": 4, "minute": 16}
